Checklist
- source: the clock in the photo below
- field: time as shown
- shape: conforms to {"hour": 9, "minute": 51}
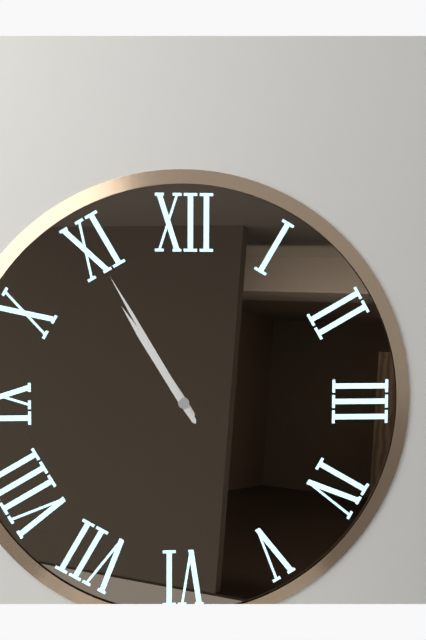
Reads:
{"hour": 10, "minute": 55}
